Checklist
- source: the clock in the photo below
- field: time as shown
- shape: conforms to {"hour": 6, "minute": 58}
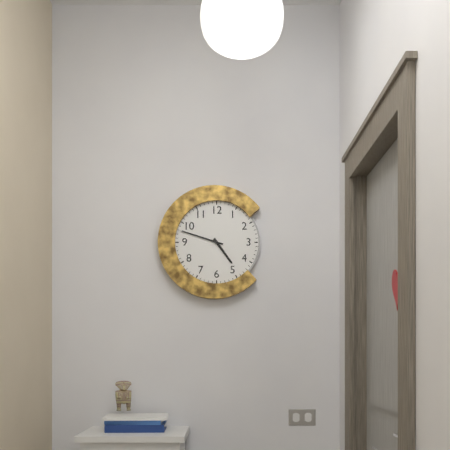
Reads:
{"hour": 4, "minute": 48}
